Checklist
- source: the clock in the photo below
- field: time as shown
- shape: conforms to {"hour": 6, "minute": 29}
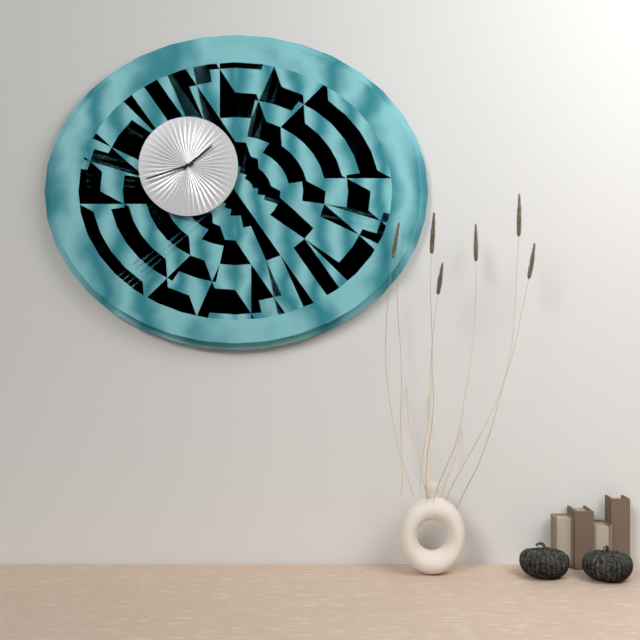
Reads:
{"hour": 1, "minute": 42}
